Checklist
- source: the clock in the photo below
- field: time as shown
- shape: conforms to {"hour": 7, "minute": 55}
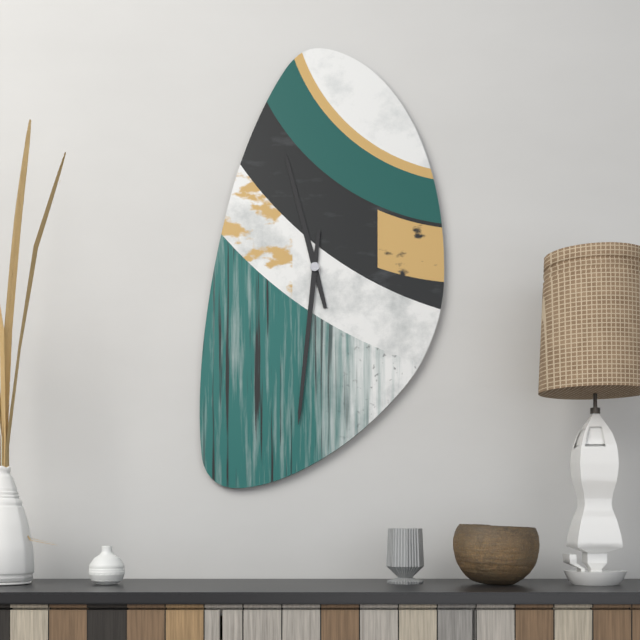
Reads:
{"hour": 11, "minute": 31}
